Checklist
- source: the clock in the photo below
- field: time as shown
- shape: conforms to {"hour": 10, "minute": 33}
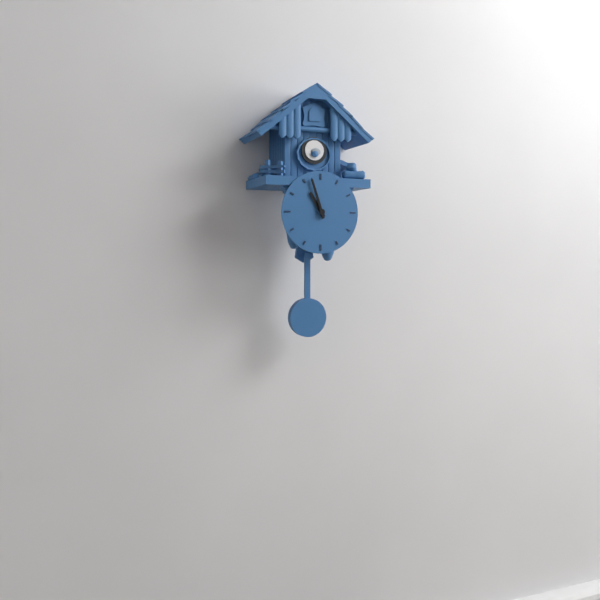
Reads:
{"hour": 10, "minute": 57}
